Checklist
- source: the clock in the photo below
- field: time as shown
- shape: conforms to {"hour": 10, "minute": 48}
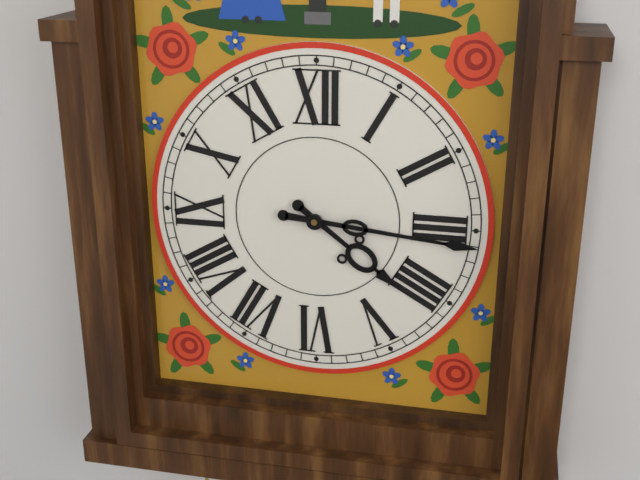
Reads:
{"hour": 4, "minute": 16}
